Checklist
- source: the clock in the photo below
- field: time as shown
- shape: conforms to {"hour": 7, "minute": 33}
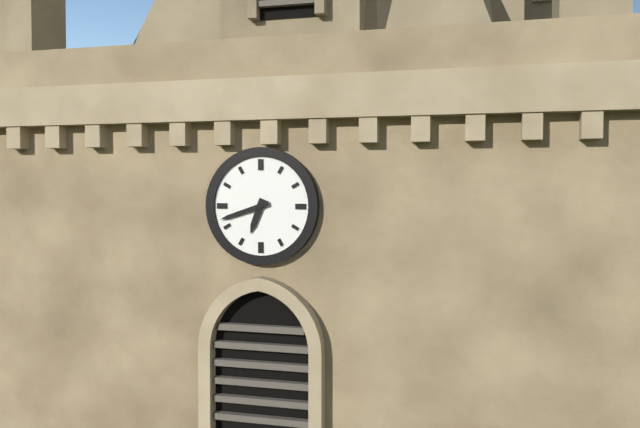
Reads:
{"hour": 6, "minute": 42}
